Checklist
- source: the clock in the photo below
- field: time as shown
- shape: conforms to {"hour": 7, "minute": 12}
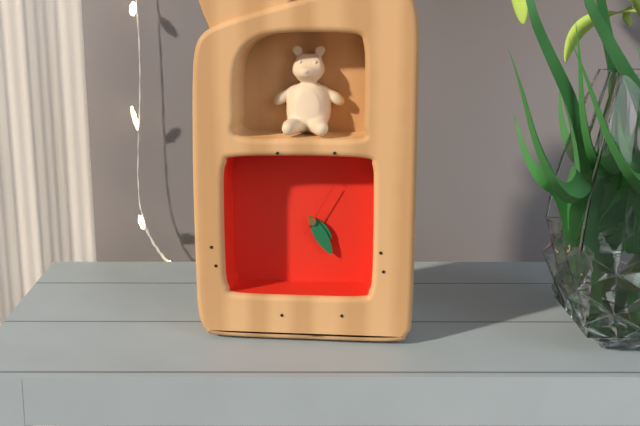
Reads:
{"hour": 4, "minute": 25}
